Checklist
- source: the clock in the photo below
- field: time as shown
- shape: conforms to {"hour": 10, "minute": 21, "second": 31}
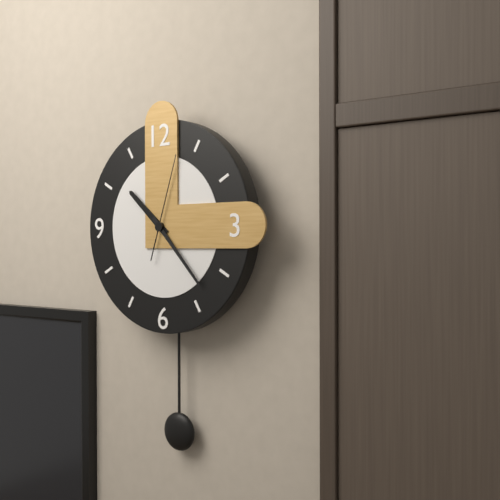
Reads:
{"hour": 10, "minute": 23, "second": 3}
